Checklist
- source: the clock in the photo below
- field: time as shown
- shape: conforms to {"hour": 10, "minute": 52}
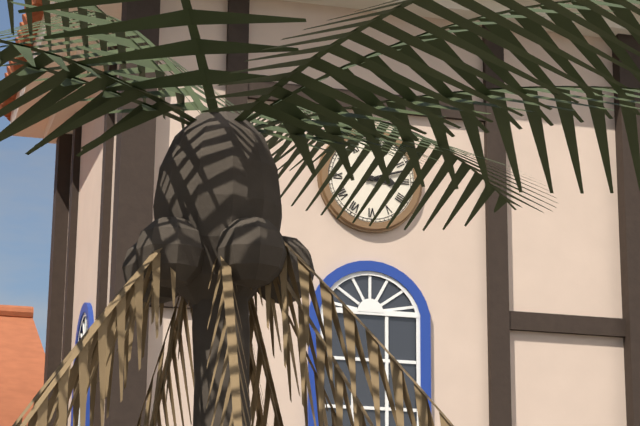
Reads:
{"hour": 3, "minute": 12}
